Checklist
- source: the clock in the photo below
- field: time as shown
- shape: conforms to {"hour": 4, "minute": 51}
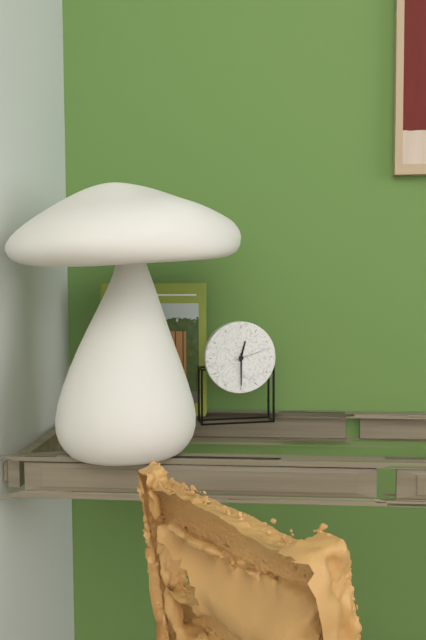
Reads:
{"hour": 12, "minute": 30}
